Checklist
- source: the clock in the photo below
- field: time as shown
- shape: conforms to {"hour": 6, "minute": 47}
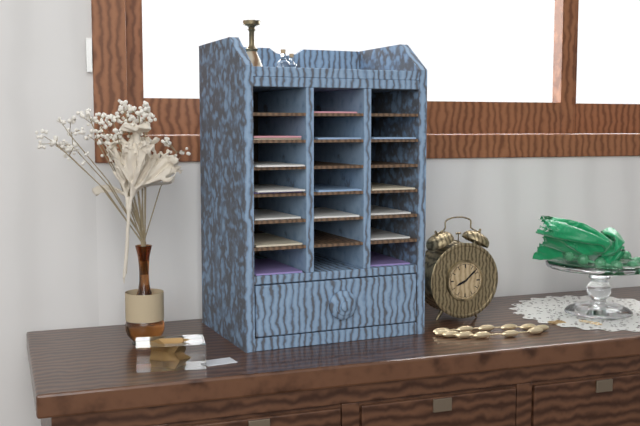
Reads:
{"hour": 8, "minute": 8}
